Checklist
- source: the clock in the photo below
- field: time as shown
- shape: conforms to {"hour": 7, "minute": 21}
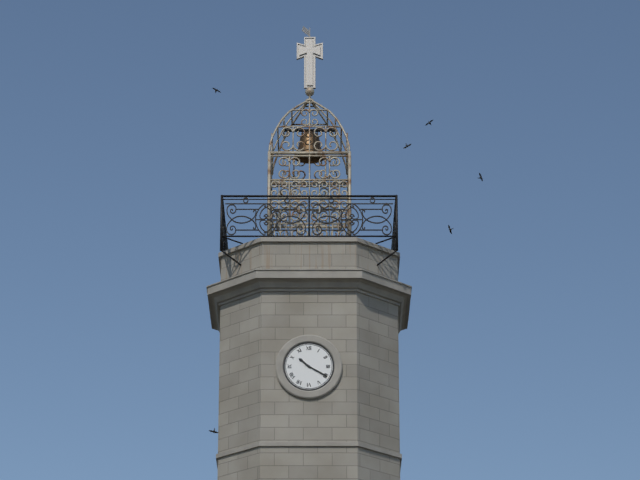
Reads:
{"hour": 10, "minute": 20}
